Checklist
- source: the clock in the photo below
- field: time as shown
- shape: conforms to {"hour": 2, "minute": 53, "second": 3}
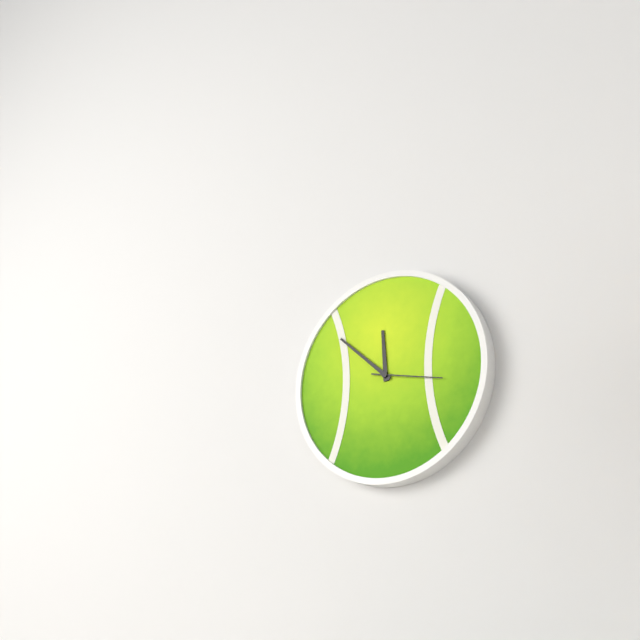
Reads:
{"hour": 11, "minute": 52, "second": 17}
